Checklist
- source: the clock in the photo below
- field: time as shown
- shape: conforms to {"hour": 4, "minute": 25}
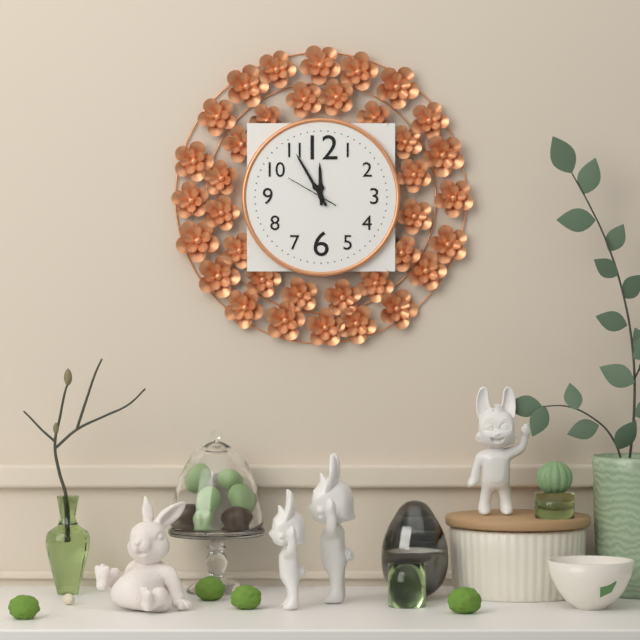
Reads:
{"hour": 11, "minute": 55}
